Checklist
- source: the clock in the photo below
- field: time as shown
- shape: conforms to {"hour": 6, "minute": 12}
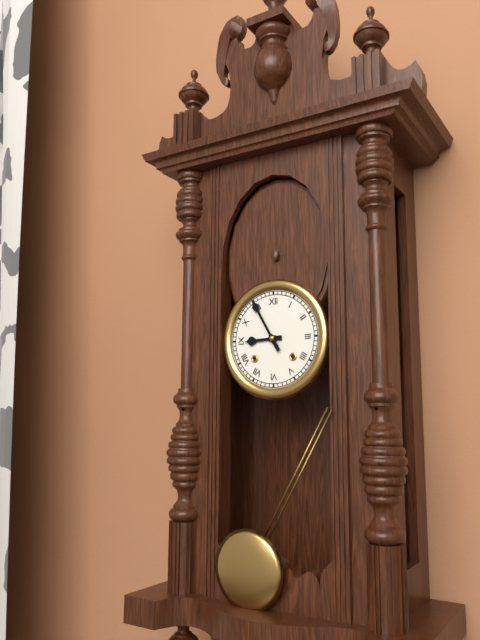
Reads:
{"hour": 8, "minute": 55}
